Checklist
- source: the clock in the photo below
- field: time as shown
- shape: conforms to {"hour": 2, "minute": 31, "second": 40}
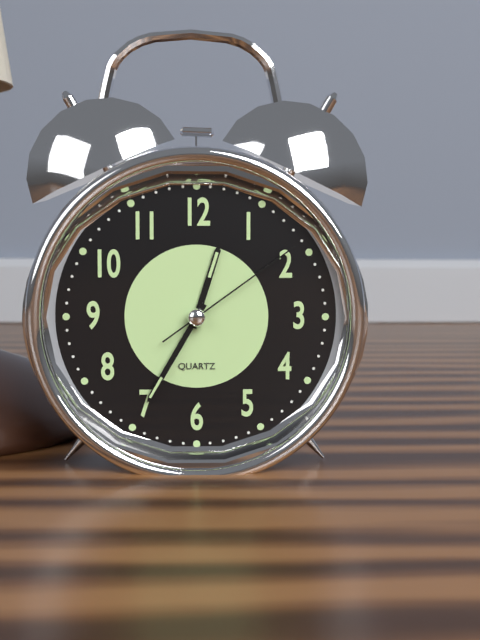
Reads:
{"hour": 12, "minute": 35, "second": 9}
